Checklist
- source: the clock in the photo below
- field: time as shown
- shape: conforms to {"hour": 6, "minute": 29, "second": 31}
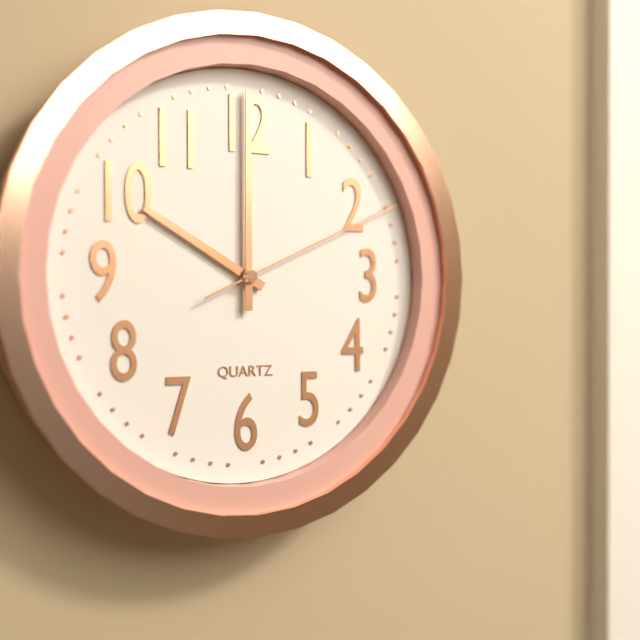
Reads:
{"hour": 10, "minute": 0, "second": 11}
